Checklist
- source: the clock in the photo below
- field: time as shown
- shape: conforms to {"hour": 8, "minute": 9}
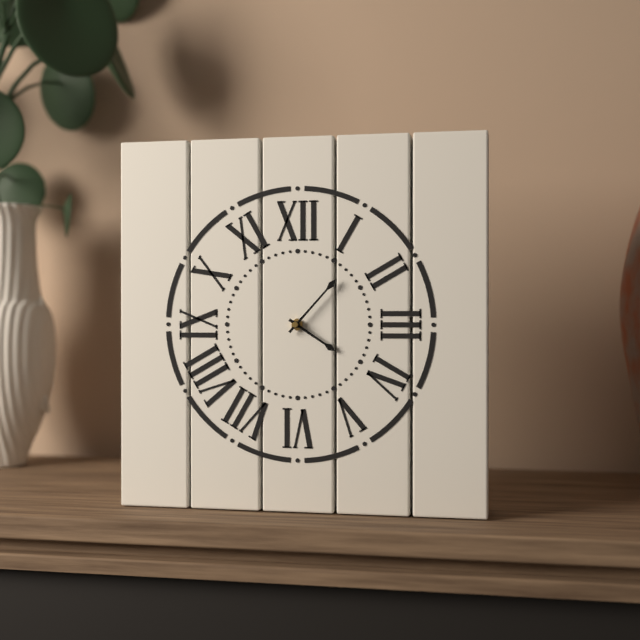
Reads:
{"hour": 4, "minute": 7}
